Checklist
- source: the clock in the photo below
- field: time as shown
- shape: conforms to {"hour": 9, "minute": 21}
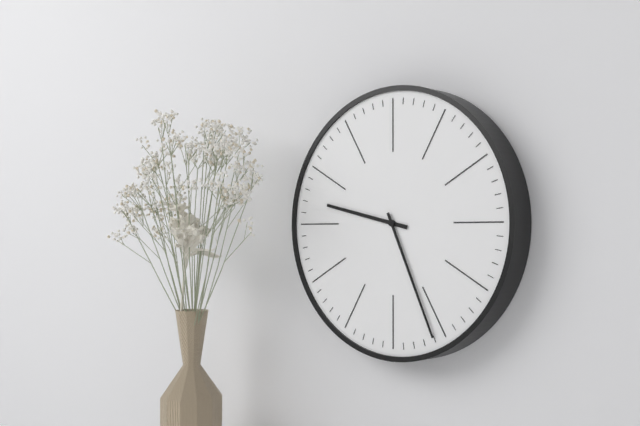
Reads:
{"hour": 9, "minute": 26}
